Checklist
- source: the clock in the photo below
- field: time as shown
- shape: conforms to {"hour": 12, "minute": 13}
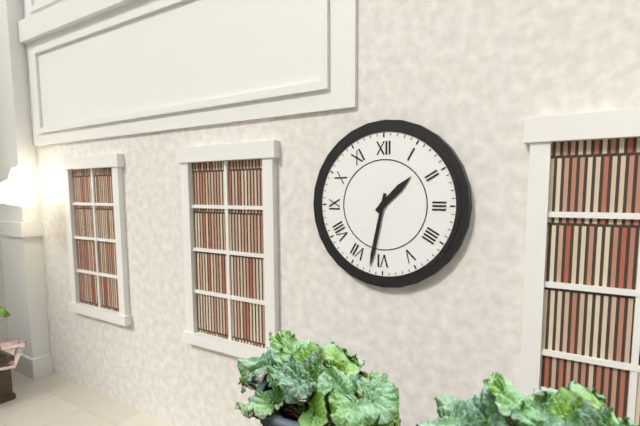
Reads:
{"hour": 1, "minute": 32}
